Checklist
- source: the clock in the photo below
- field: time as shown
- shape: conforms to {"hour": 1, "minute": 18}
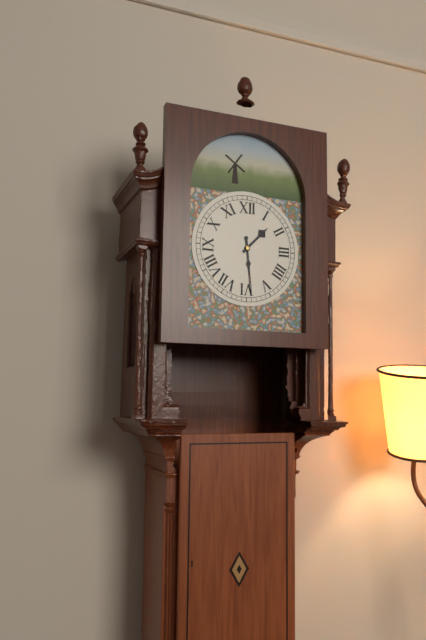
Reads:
{"hour": 1, "minute": 29}
